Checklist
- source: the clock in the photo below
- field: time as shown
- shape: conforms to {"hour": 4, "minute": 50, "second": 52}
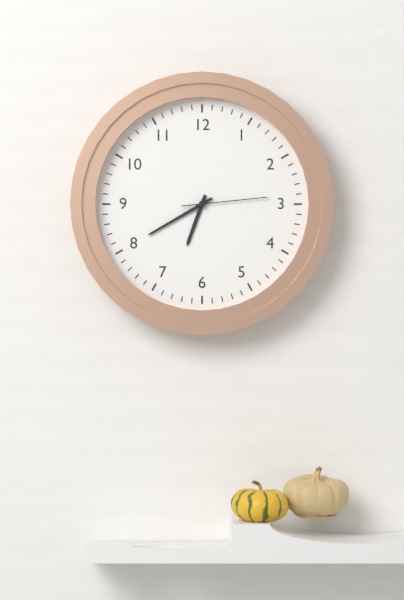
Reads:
{"hour": 6, "minute": 40, "second": 14}
